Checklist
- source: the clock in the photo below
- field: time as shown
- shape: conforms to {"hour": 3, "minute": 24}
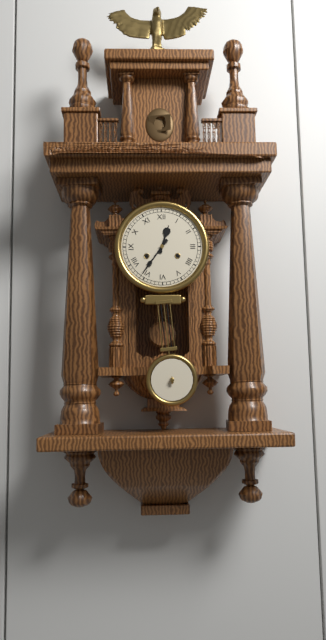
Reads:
{"hour": 12, "minute": 36}
